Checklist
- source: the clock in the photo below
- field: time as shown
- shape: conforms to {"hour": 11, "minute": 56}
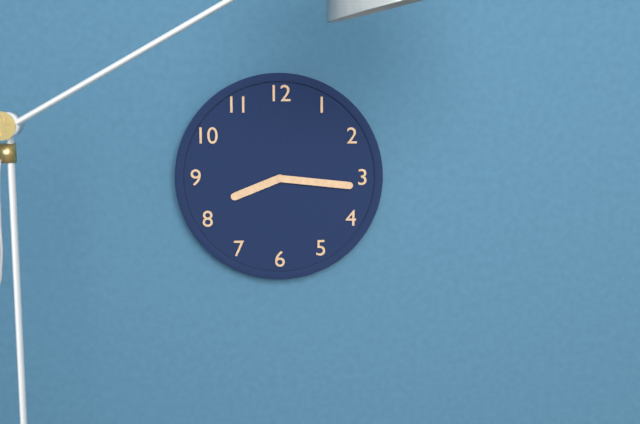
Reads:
{"hour": 8, "minute": 16}
